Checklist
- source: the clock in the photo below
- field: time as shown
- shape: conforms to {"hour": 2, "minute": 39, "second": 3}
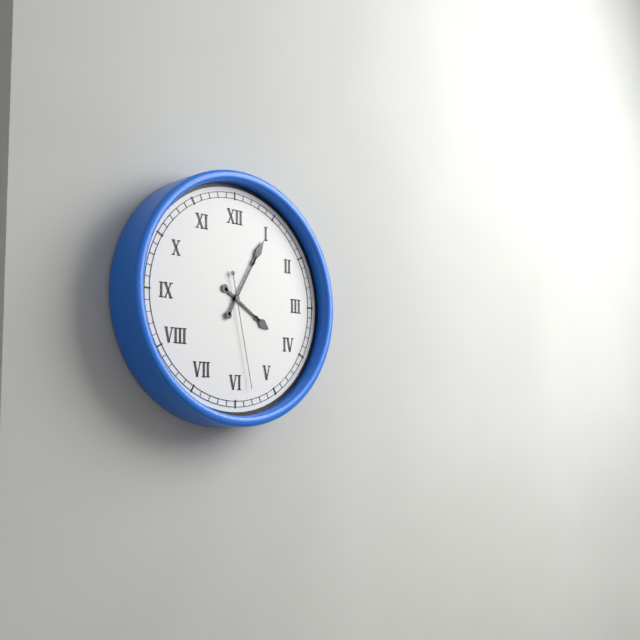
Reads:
{"hour": 4, "minute": 5, "second": 28}
